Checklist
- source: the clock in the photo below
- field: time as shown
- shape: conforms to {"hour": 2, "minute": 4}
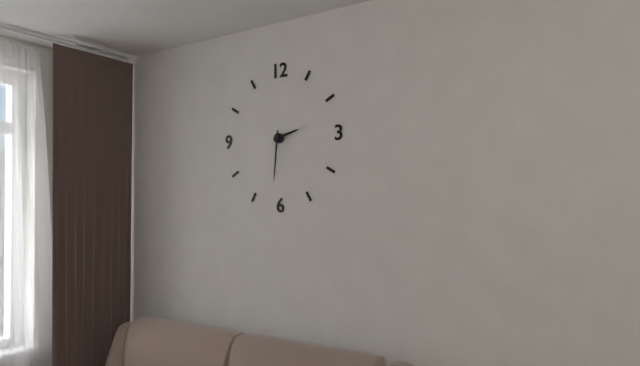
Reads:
{"hour": 2, "minute": 31}
